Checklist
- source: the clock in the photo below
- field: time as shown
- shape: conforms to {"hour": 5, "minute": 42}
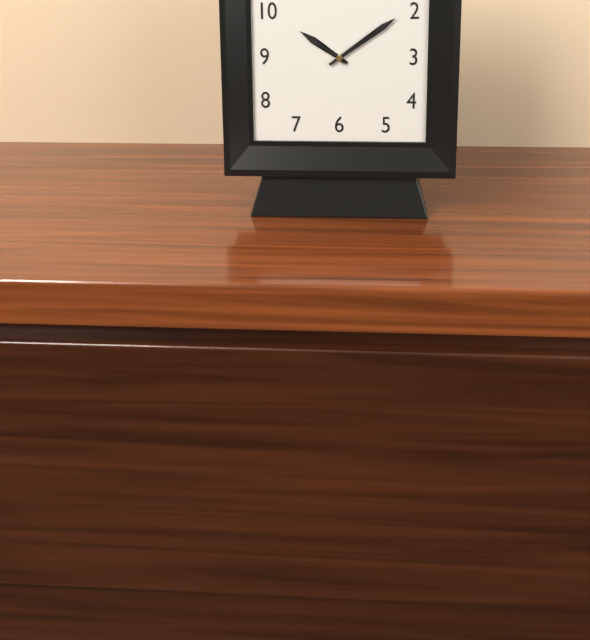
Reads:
{"hour": 10, "minute": 9}
